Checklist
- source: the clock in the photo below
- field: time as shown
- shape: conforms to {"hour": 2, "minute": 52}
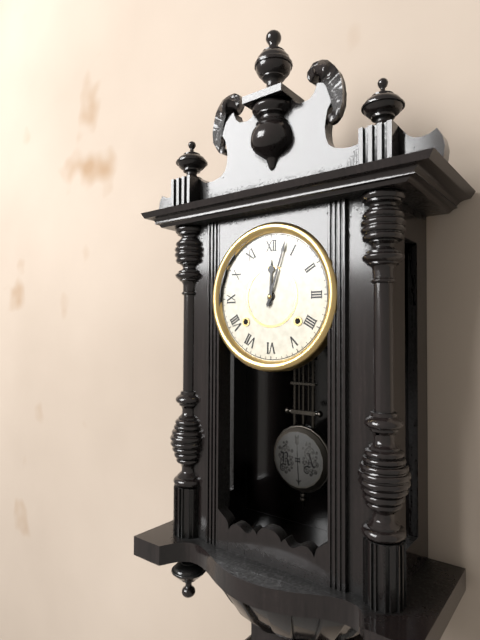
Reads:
{"hour": 12, "minute": 3}
